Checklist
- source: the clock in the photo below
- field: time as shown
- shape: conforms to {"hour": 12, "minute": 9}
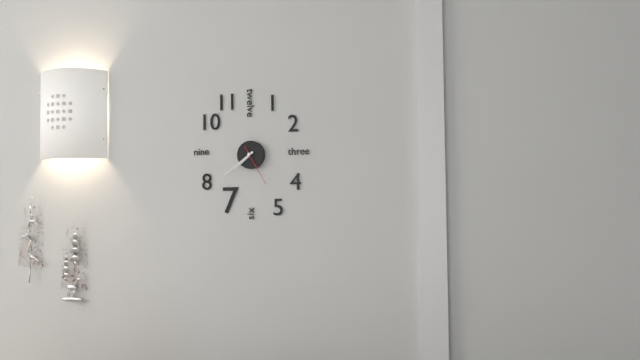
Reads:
{"hour": 7, "minute": 39}
